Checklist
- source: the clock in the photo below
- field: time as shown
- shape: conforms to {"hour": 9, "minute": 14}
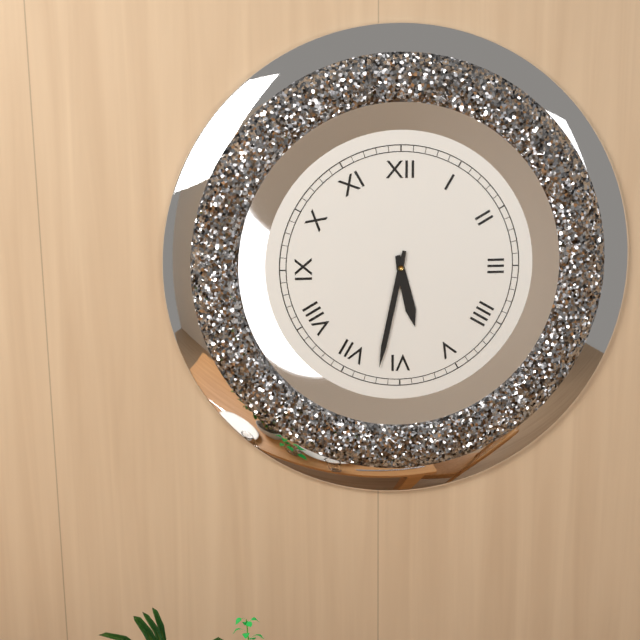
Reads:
{"hour": 5, "minute": 32}
